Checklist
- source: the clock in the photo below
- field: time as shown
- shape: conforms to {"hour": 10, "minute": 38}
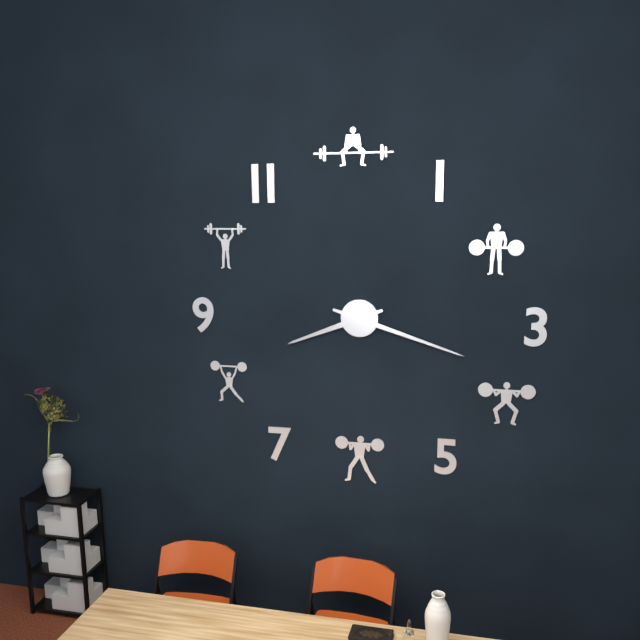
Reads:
{"hour": 8, "minute": 18}
